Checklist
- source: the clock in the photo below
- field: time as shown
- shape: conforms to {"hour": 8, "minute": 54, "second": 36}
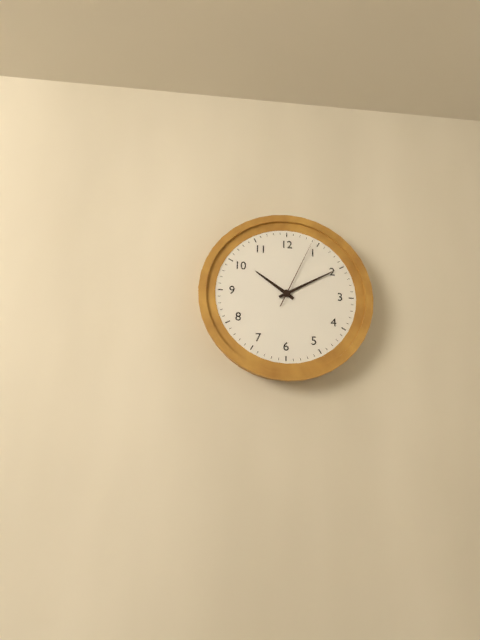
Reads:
{"hour": 10, "minute": 10, "second": 4}
